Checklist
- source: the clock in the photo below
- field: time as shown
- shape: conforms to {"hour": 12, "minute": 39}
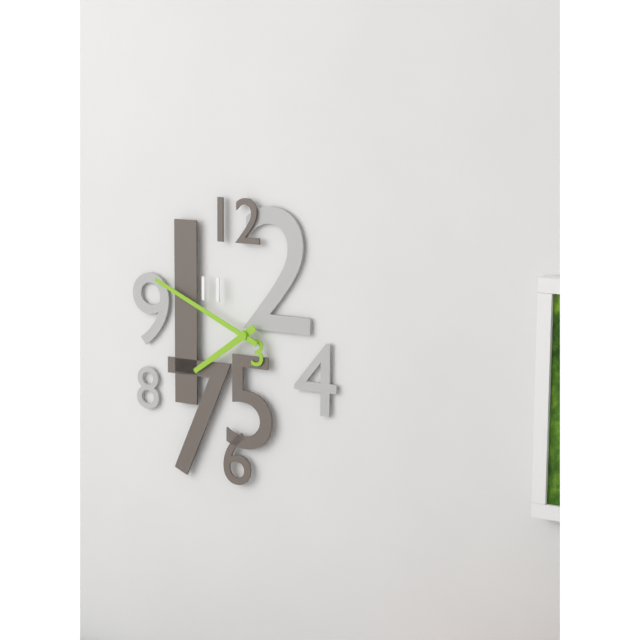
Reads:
{"hour": 7, "minute": 49}
